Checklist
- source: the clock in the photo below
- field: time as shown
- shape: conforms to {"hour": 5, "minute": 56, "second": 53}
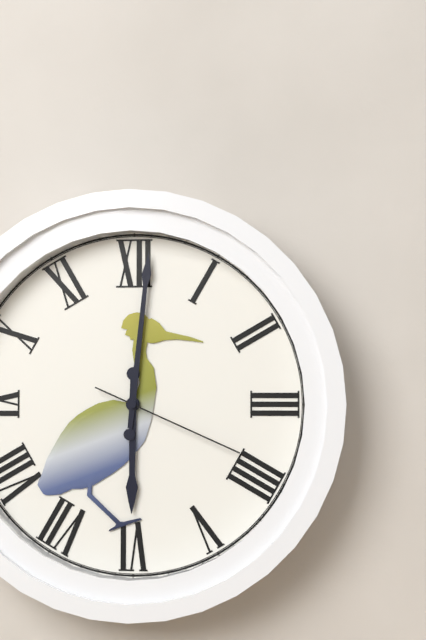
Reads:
{"hour": 6, "minute": 1, "second": 19}
